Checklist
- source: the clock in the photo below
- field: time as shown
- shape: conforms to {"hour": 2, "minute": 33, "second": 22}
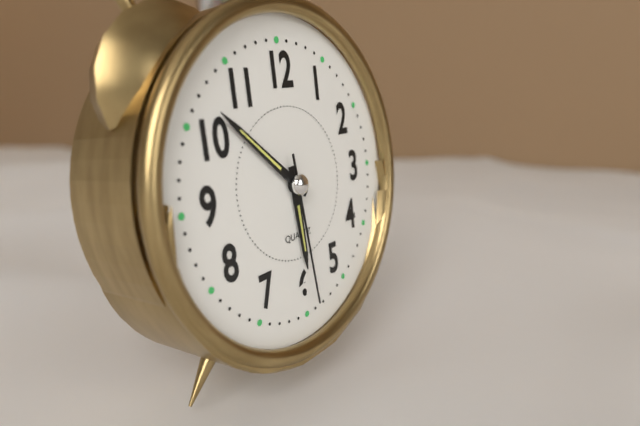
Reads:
{"hour": 5, "minute": 52, "second": 29}
